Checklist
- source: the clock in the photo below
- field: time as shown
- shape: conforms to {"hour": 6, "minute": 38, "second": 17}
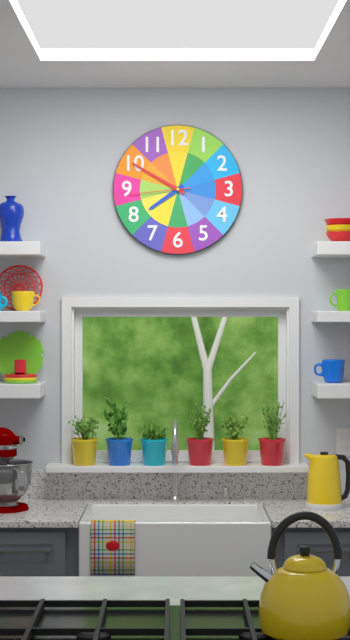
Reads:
{"hour": 7, "minute": 50, "second": 44}
